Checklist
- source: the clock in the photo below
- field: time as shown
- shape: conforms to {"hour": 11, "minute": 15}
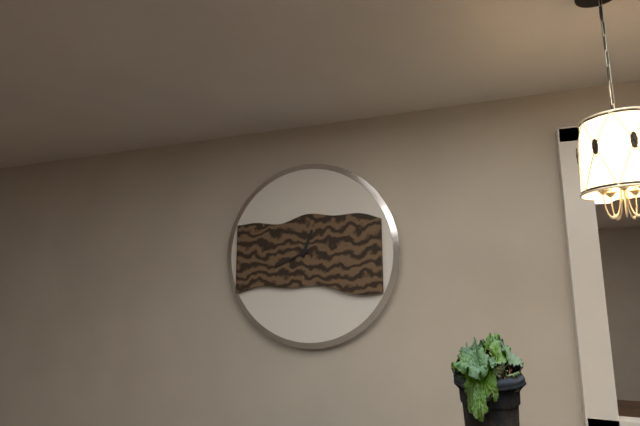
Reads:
{"hour": 12, "minute": 41}
